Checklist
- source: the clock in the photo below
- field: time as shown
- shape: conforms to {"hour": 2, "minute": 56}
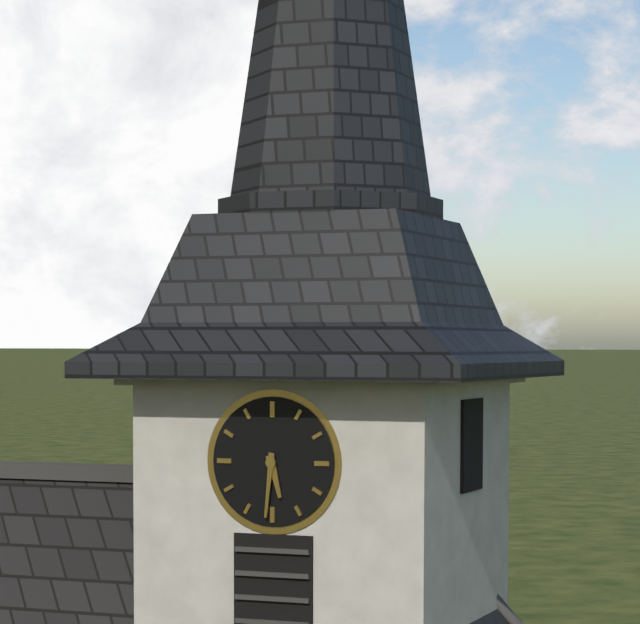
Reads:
{"hour": 5, "minute": 31}
